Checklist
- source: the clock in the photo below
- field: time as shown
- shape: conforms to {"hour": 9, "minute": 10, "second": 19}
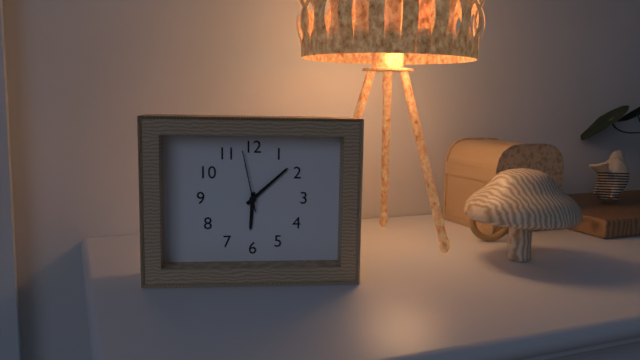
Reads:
{"hour": 6, "minute": 8, "second": 58}
